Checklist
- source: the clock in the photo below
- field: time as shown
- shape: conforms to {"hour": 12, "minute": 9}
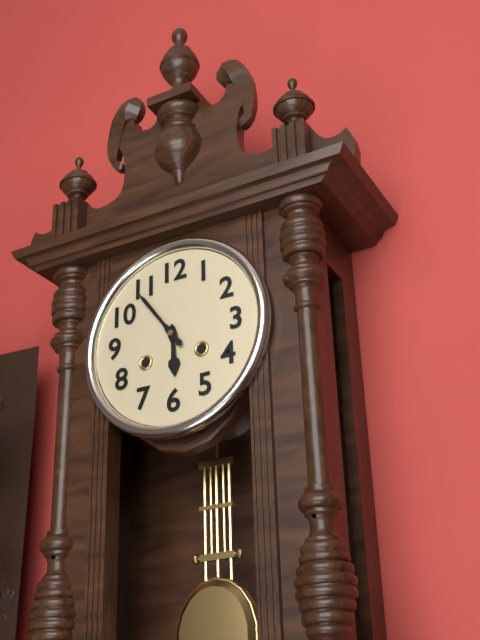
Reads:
{"hour": 5, "minute": 54}
